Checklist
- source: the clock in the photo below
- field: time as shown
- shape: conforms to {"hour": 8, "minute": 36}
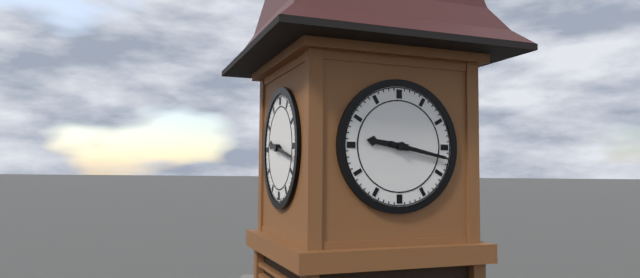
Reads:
{"hour": 9, "minute": 17}
